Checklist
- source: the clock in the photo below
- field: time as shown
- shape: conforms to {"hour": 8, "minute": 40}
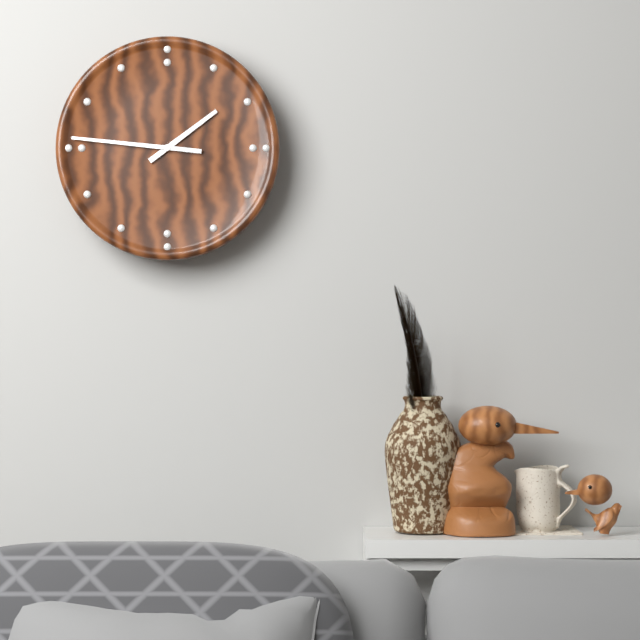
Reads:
{"hour": 1, "minute": 46}
